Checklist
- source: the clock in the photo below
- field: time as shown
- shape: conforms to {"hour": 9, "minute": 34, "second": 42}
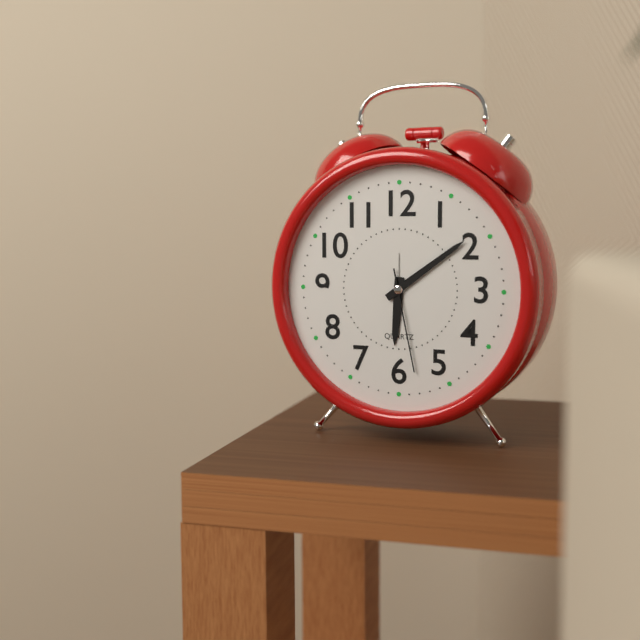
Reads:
{"hour": 6, "minute": 9, "second": 28}
